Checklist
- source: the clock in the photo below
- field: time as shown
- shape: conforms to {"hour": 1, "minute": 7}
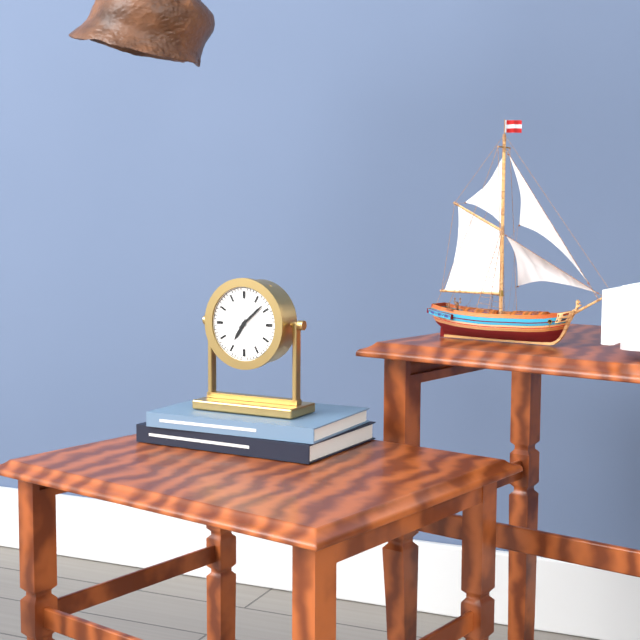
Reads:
{"hour": 7, "minute": 8}
